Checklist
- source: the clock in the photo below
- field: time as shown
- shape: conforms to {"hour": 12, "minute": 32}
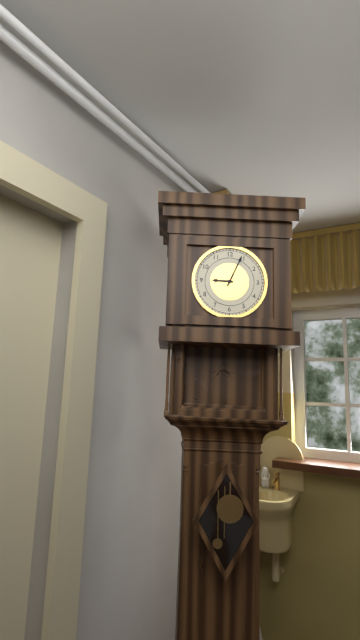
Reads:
{"hour": 9, "minute": 4}
